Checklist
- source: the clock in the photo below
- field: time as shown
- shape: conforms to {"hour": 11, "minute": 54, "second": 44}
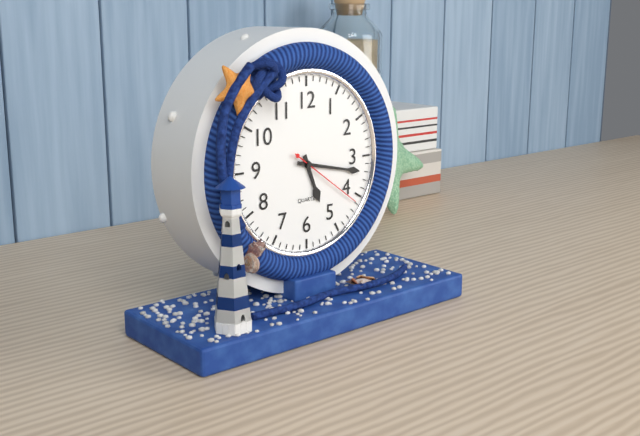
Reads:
{"hour": 5, "minute": 17, "second": 21}
